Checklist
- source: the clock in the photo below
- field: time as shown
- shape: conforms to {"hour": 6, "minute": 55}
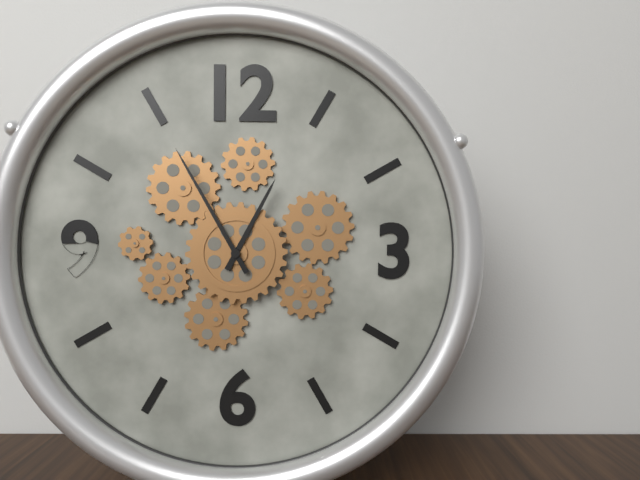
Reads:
{"hour": 12, "minute": 55}
